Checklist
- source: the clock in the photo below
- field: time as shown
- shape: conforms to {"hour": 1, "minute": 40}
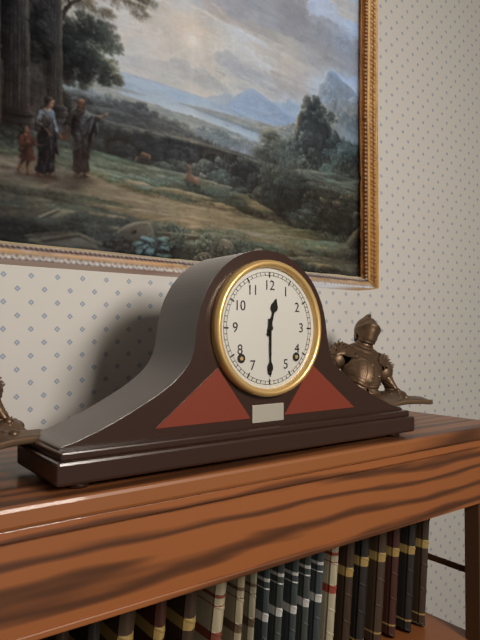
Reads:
{"hour": 12, "minute": 30}
